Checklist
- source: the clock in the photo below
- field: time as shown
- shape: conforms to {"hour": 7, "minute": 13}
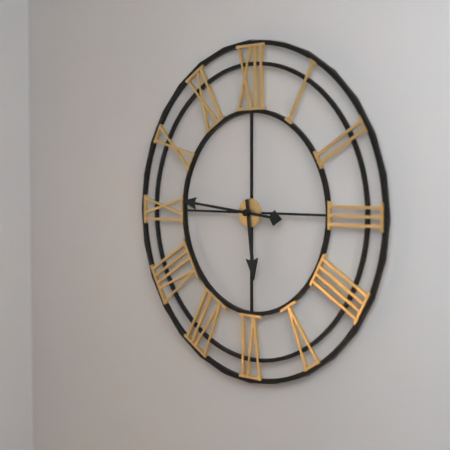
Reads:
{"hour": 5, "minute": 46}
